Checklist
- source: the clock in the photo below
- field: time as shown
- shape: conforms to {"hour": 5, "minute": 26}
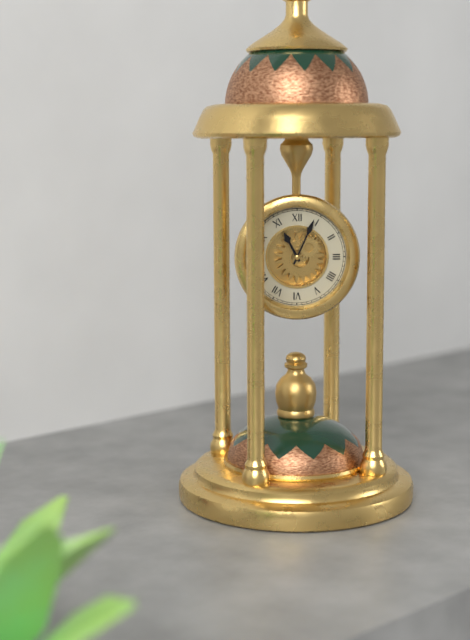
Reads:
{"hour": 11, "minute": 4}
